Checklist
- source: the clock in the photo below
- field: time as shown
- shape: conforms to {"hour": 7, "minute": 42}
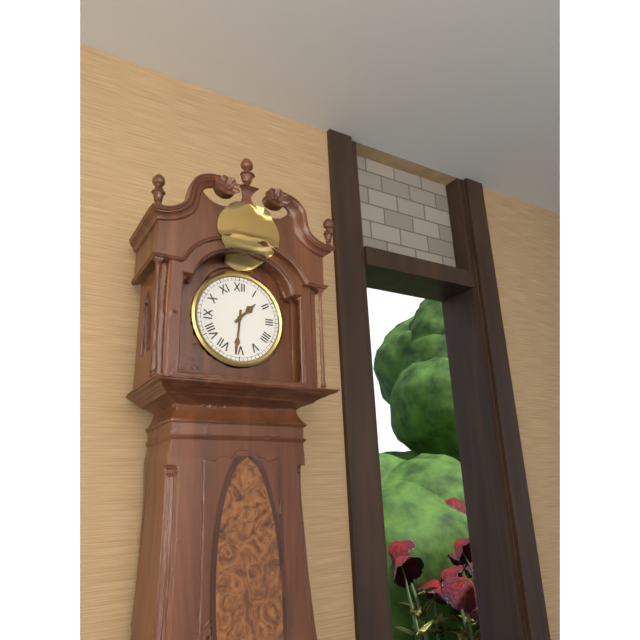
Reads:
{"hour": 1, "minute": 31}
